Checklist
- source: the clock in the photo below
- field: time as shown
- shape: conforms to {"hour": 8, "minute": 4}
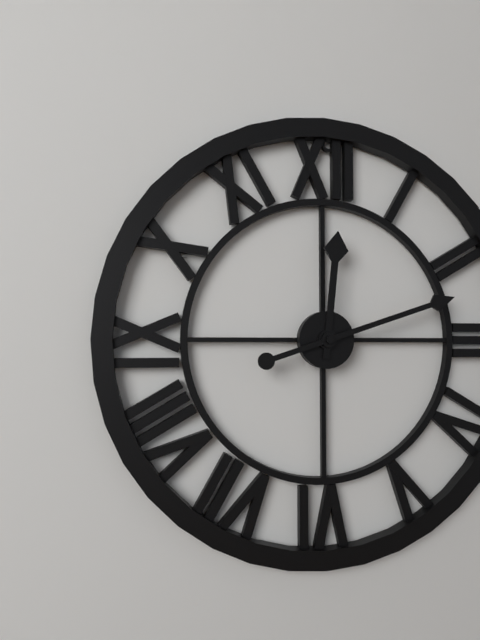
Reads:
{"hour": 12, "minute": 12}
